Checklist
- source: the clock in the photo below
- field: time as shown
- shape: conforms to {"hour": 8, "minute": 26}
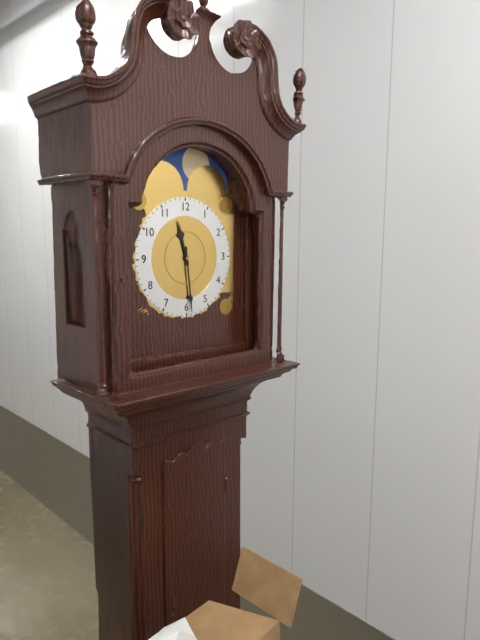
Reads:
{"hour": 11, "minute": 29}
